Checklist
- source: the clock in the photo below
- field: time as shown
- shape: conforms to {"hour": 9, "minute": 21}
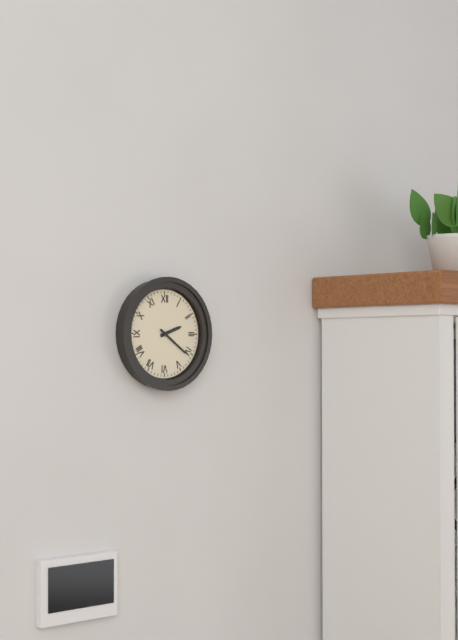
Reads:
{"hour": 2, "minute": 21}
